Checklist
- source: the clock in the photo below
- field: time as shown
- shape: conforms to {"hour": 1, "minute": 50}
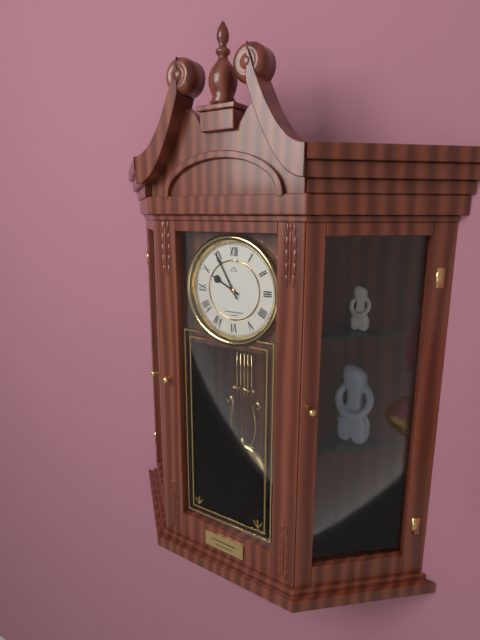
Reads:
{"hour": 9, "minute": 55}
